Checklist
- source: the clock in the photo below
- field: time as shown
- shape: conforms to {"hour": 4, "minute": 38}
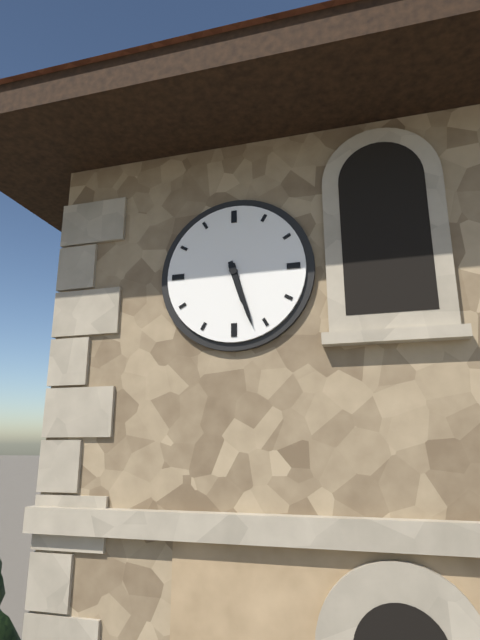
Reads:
{"hour": 5, "minute": 27}
